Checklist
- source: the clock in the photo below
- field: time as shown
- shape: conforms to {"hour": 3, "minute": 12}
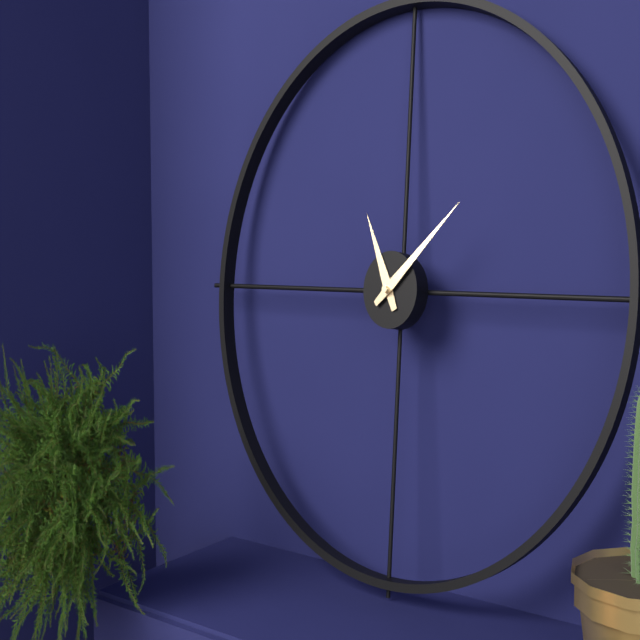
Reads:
{"hour": 11, "minute": 8}
